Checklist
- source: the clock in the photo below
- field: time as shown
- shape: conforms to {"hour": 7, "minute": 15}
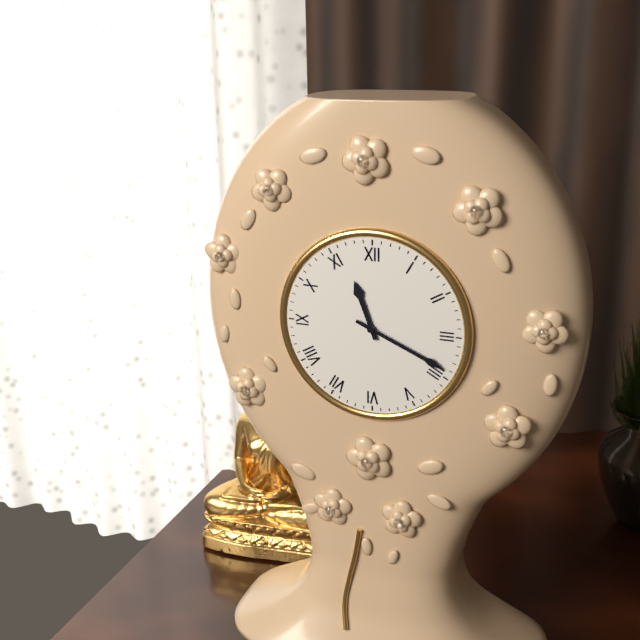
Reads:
{"hour": 11, "minute": 19}
